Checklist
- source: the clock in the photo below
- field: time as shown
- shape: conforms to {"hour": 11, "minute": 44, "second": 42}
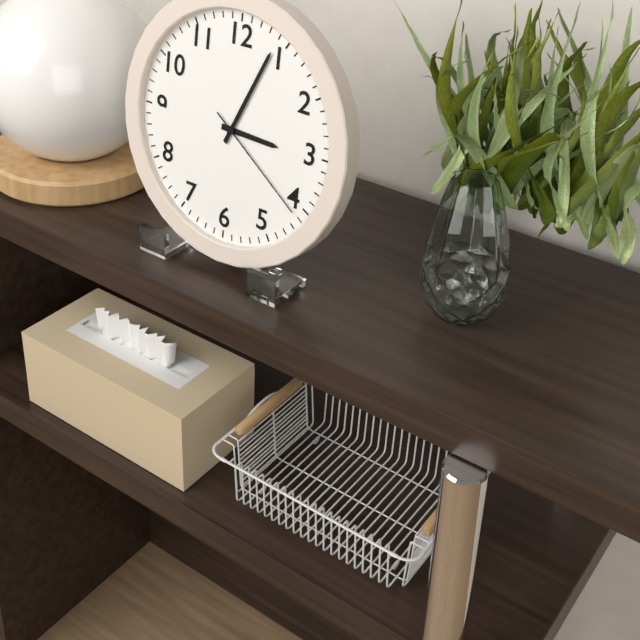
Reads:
{"hour": 3, "minute": 4, "second": 21}
